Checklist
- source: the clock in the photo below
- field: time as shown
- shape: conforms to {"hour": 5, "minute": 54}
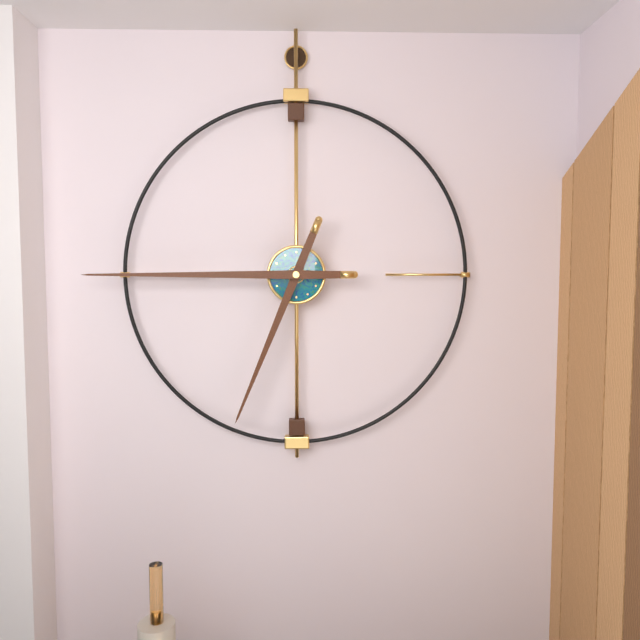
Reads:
{"hour": 6, "minute": 45}
